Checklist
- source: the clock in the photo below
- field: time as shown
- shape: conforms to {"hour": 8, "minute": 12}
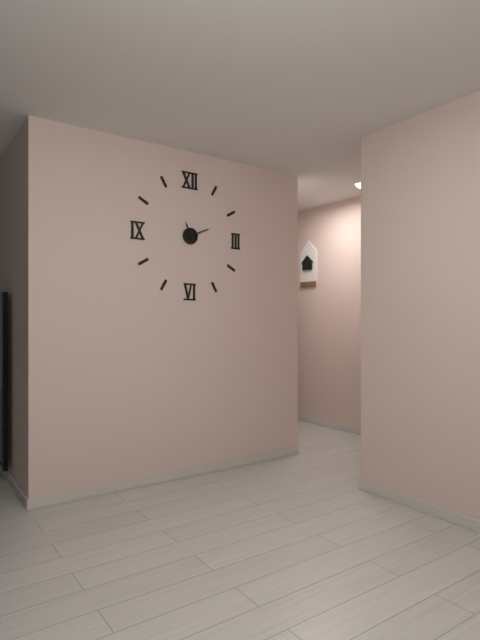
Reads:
{"hour": 11, "minute": 11}
